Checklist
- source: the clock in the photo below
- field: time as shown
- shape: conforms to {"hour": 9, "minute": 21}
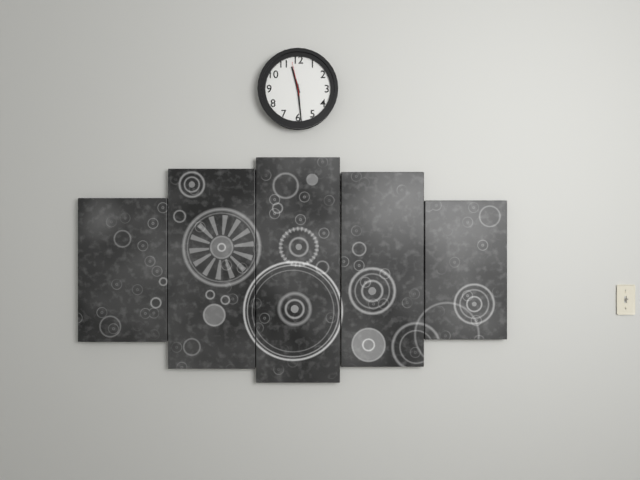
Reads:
{"hour": 11, "minute": 29}
